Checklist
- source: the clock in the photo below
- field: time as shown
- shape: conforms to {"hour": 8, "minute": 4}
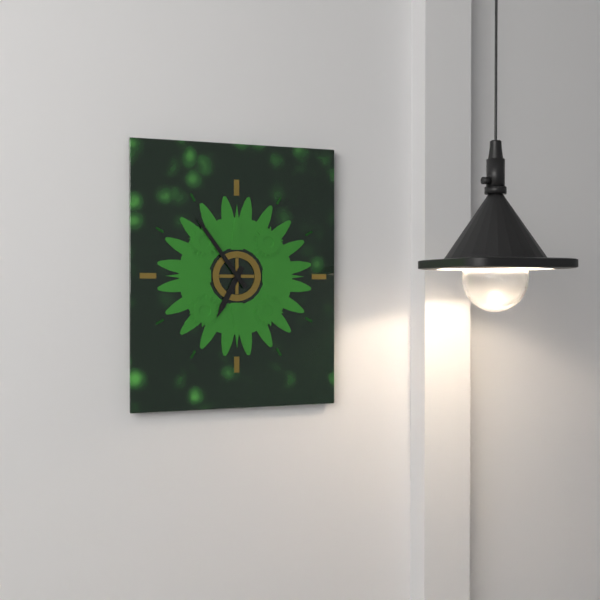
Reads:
{"hour": 6, "minute": 54}
